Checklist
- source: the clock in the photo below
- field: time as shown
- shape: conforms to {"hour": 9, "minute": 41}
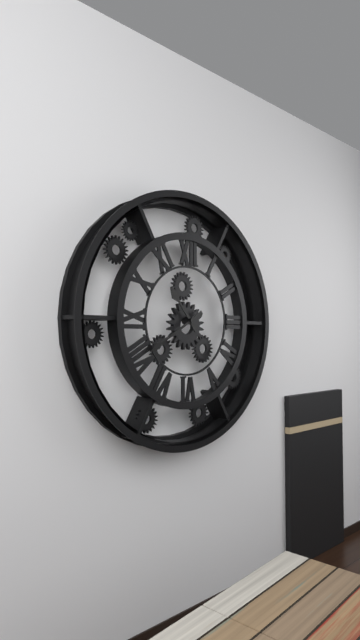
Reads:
{"hour": 10, "minute": 40}
